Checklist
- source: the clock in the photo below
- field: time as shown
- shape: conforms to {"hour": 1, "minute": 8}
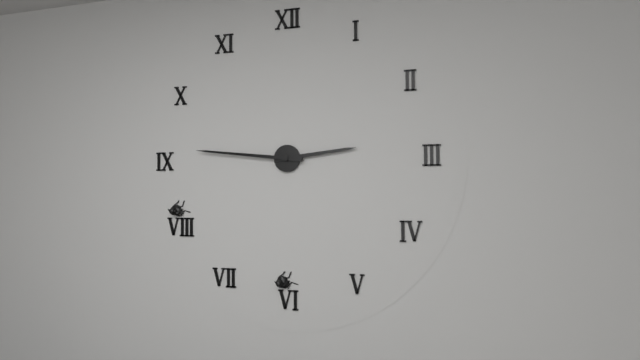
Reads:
{"hour": 2, "minute": 46}
